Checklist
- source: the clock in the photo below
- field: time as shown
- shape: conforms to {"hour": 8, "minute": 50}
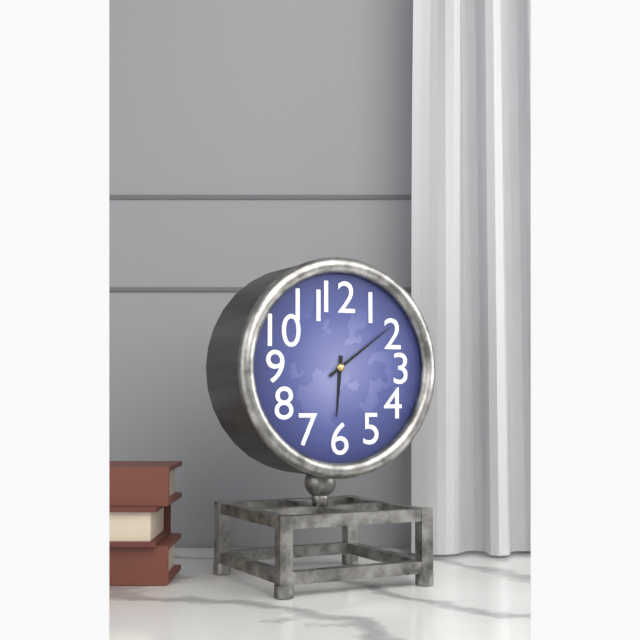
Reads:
{"hour": 6, "minute": 9}
